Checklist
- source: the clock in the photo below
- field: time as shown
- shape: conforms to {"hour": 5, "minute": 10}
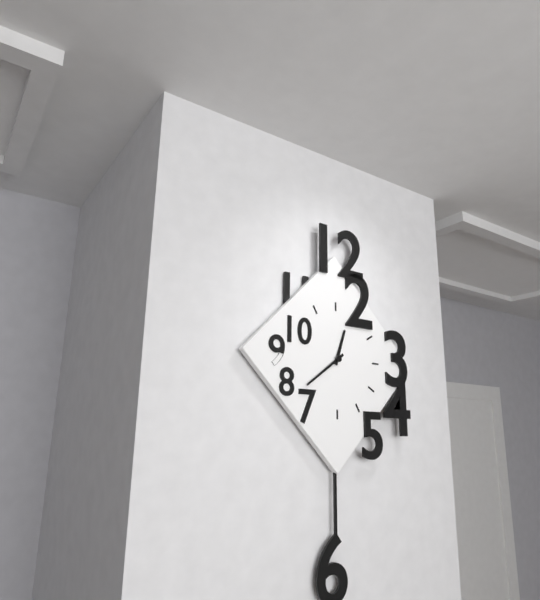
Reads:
{"hour": 12, "minute": 39}
